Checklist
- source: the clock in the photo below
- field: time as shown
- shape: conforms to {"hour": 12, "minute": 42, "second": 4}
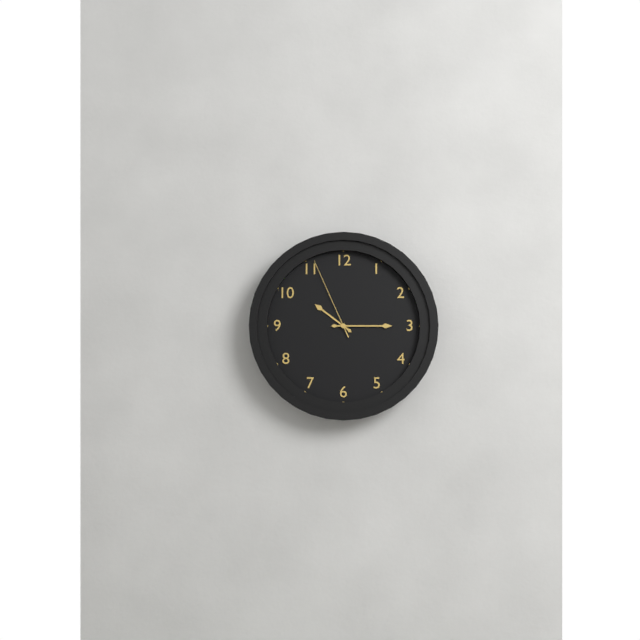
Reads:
{"hour": 10, "minute": 15, "second": 56}
